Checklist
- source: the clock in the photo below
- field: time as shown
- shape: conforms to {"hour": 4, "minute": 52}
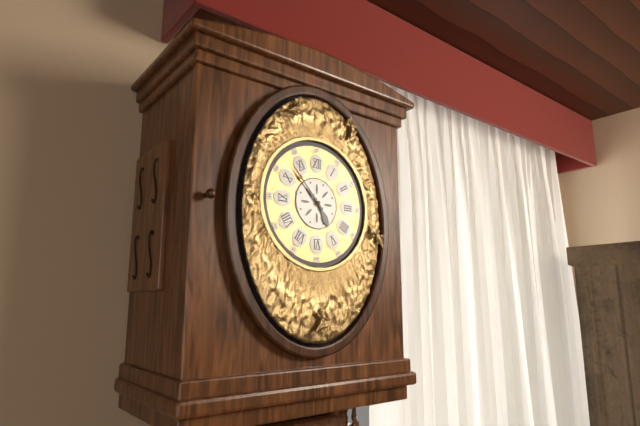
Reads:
{"hour": 4, "minute": 53}
